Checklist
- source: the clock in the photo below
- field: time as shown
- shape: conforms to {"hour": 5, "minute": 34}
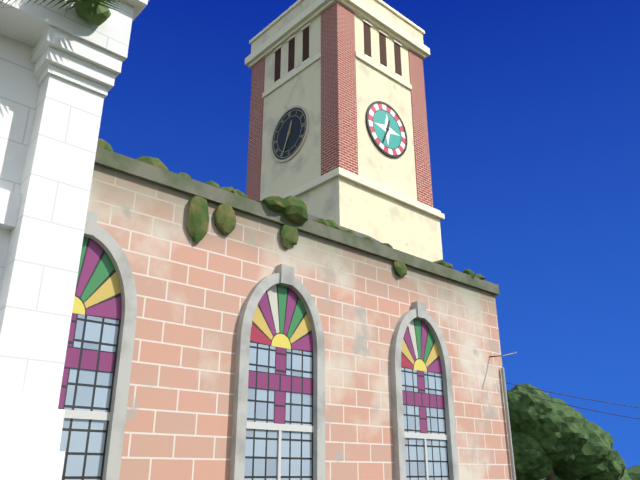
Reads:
{"hour": 12, "minute": 34}
